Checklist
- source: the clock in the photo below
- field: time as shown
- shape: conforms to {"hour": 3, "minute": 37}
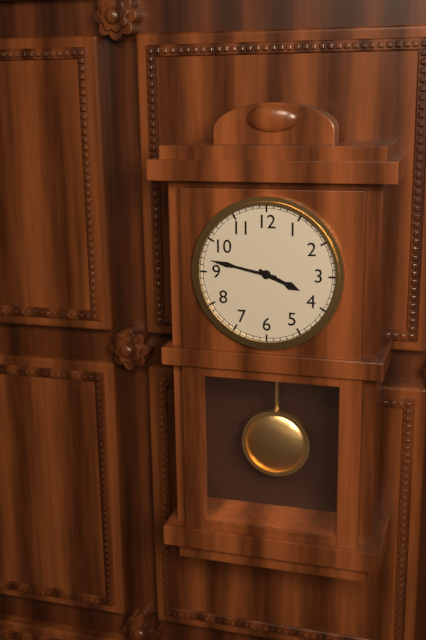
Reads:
{"hour": 3, "minute": 47}
